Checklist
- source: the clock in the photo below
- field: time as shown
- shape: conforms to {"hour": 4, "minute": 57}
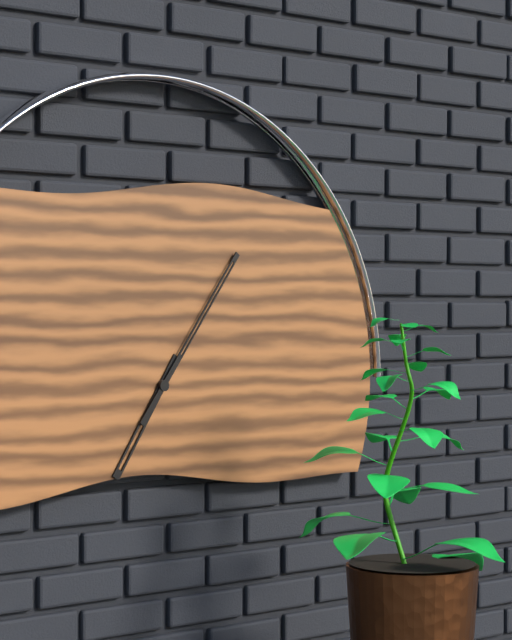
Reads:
{"hour": 7, "minute": 6}
